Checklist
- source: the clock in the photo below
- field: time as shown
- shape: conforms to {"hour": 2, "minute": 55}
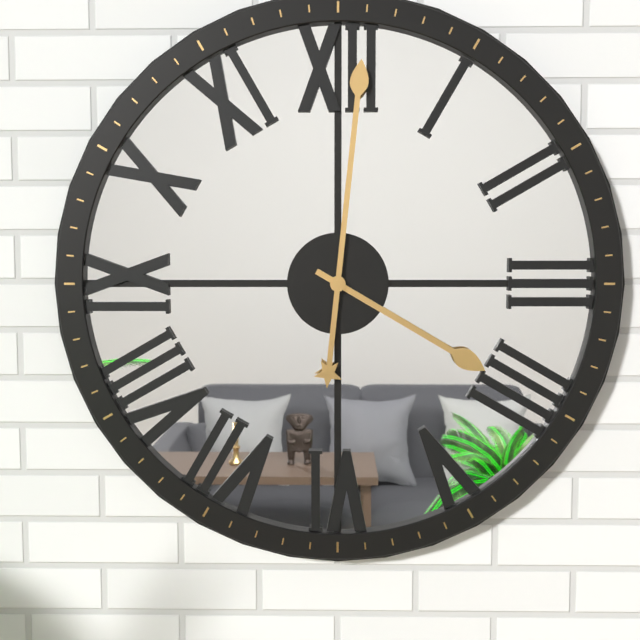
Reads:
{"hour": 4, "minute": 1}
